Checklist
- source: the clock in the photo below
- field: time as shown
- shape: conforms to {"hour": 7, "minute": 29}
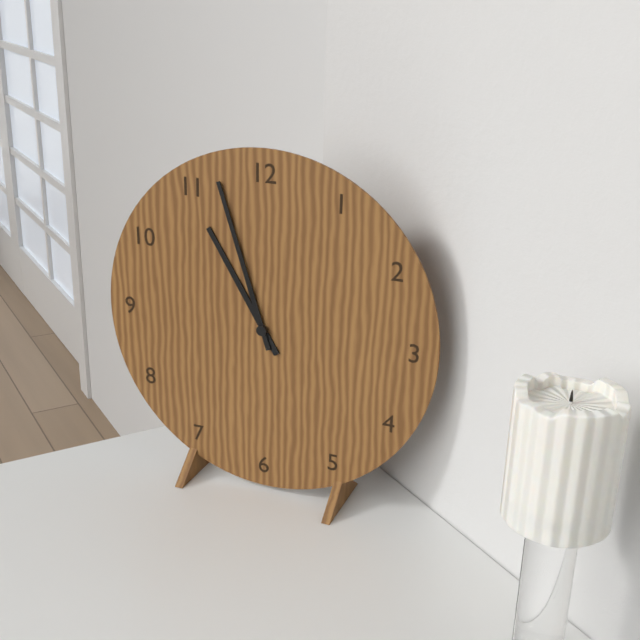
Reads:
{"hour": 10, "minute": 57}
